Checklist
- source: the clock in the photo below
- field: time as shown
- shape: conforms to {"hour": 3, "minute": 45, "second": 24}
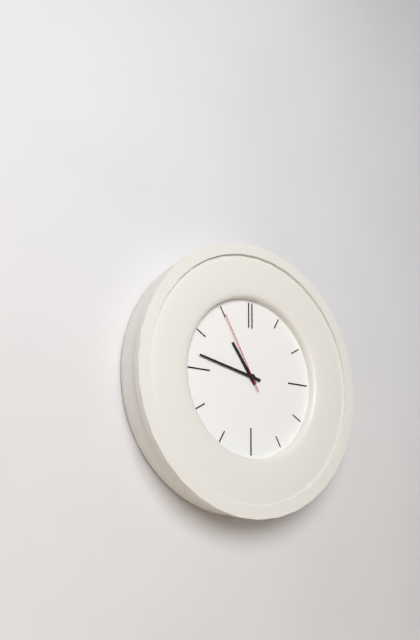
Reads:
{"hour": 10, "minute": 47, "second": 55}
